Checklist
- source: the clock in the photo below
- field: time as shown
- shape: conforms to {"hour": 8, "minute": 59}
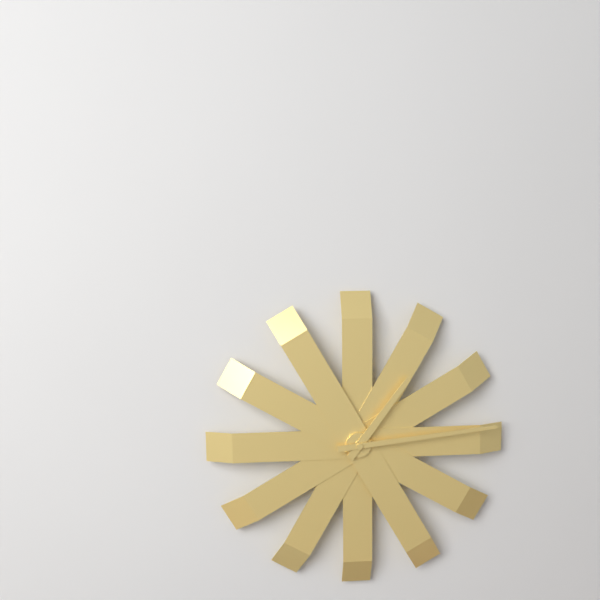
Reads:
{"hour": 1, "minute": 14}
